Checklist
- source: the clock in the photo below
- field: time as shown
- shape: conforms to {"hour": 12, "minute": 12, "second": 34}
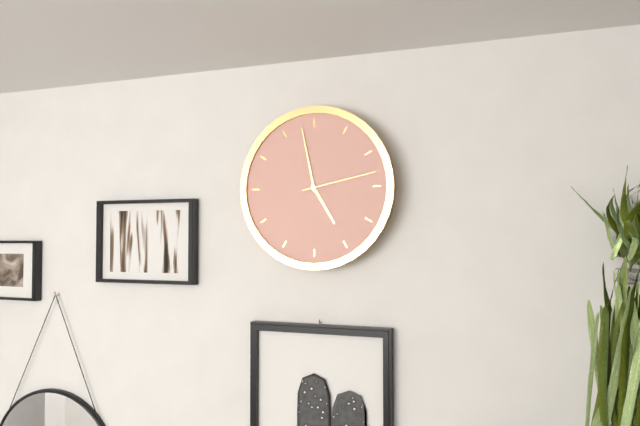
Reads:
{"hour": 4, "minute": 58, "second": 13}
